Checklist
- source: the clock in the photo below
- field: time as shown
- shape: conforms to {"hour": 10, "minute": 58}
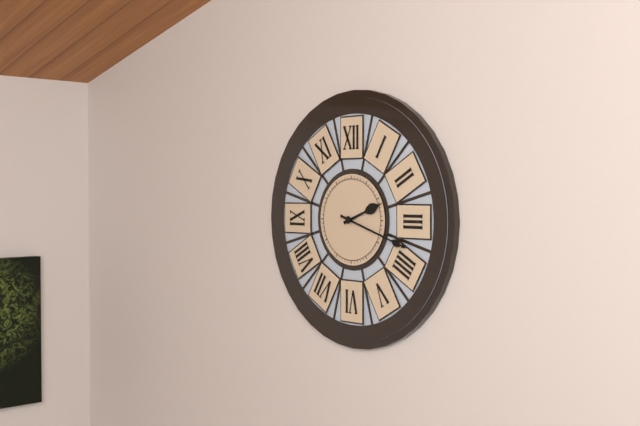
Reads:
{"hour": 2, "minute": 18}
